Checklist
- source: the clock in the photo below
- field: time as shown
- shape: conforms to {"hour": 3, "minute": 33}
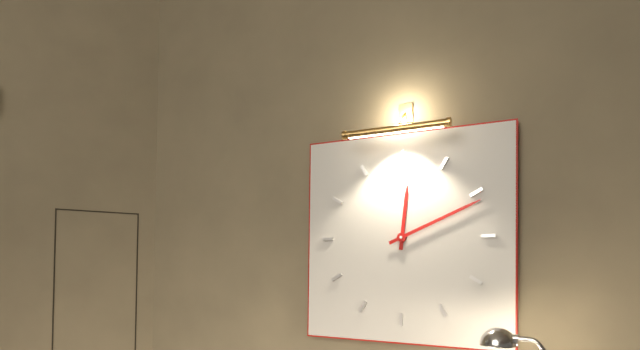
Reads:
{"hour": 12, "minute": 11}
